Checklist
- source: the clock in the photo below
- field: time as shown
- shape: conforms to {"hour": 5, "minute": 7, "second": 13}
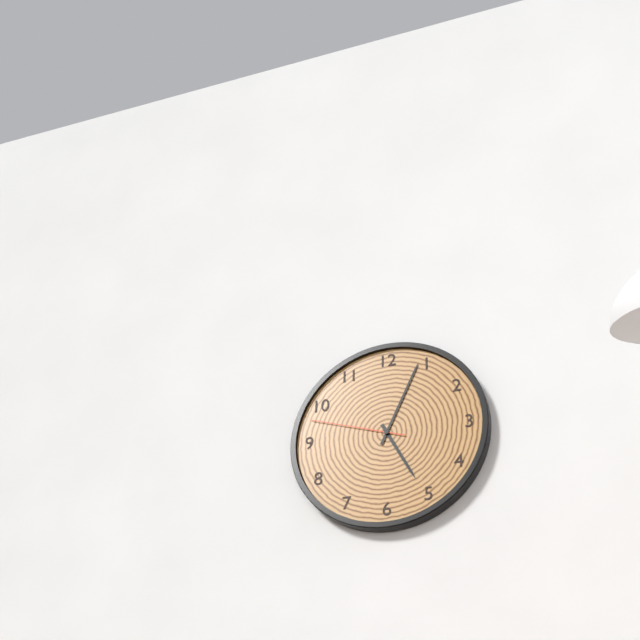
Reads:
{"hour": 5, "minute": 4, "second": 48}
